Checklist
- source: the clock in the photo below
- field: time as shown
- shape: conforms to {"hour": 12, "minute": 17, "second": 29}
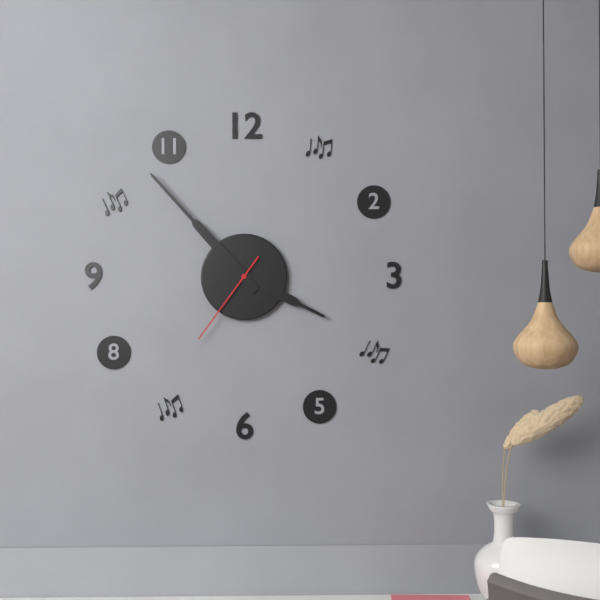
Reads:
{"hour": 3, "minute": 53, "second": 36}
